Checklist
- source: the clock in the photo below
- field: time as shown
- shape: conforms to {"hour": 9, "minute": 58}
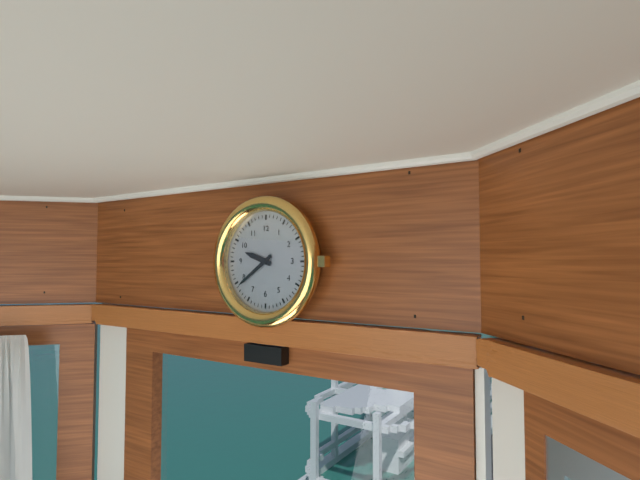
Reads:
{"hour": 9, "minute": 39}
